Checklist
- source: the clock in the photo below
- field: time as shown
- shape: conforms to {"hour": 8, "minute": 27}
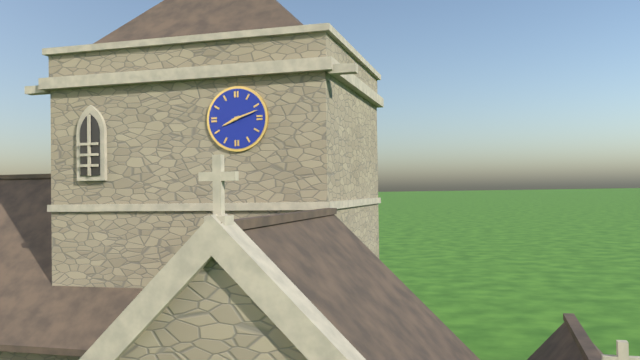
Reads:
{"hour": 8, "minute": 12}
